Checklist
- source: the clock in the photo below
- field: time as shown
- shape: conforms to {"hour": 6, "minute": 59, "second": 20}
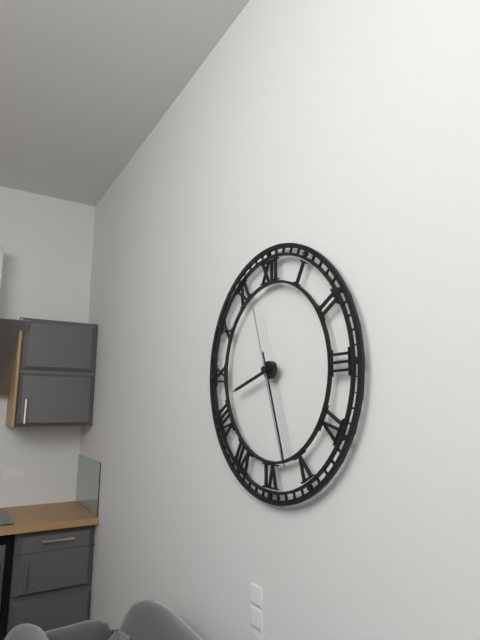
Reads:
{"hour": 8, "minute": 27, "second": 27}
